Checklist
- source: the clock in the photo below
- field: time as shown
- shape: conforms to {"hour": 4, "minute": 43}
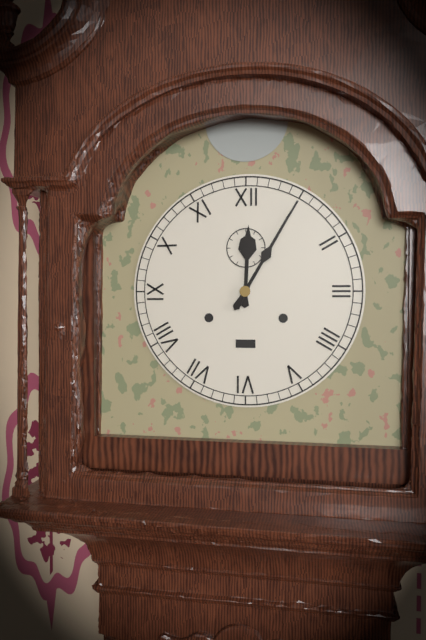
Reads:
{"hour": 12, "minute": 5}
